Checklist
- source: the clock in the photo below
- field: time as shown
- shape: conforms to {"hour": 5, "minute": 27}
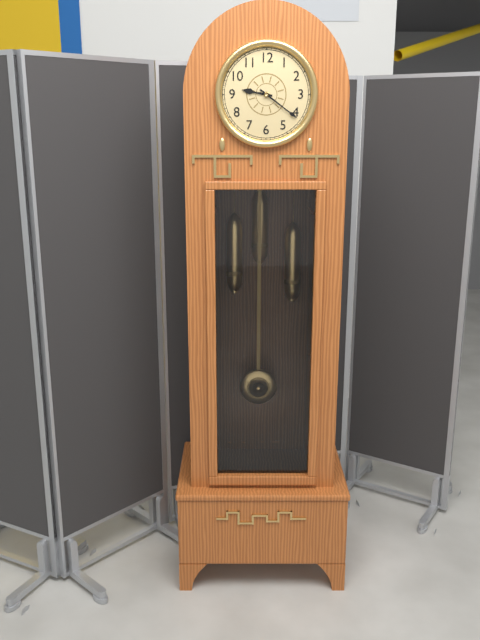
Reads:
{"hour": 9, "minute": 21}
